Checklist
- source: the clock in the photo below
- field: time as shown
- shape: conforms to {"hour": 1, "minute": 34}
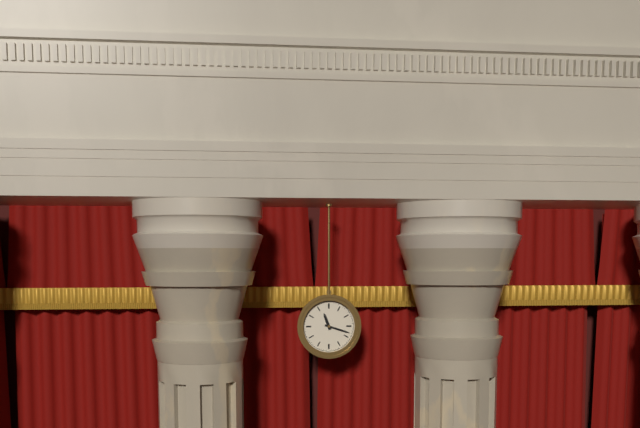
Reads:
{"hour": 11, "minute": 18}
